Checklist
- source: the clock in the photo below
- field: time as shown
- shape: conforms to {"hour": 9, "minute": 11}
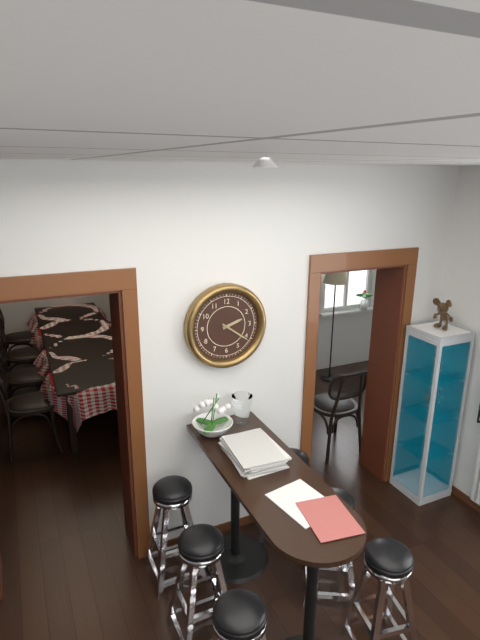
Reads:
{"hour": 2, "minute": 21}
